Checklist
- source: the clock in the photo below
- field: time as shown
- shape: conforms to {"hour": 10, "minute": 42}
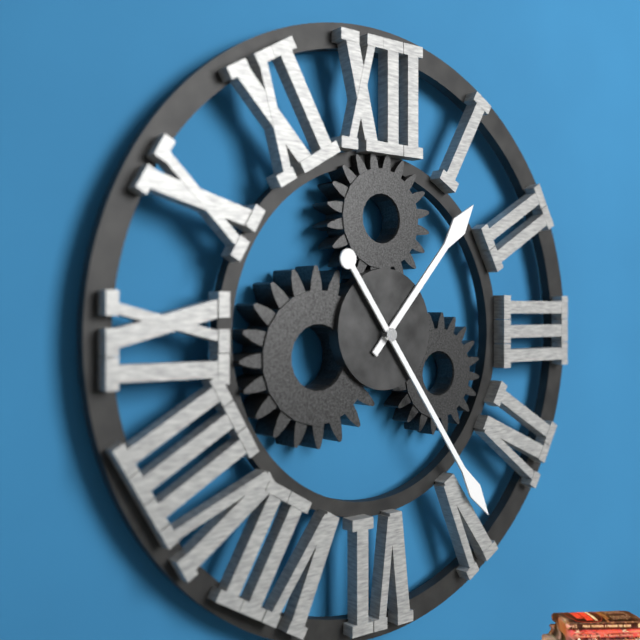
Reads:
{"hour": 1, "minute": 24}
